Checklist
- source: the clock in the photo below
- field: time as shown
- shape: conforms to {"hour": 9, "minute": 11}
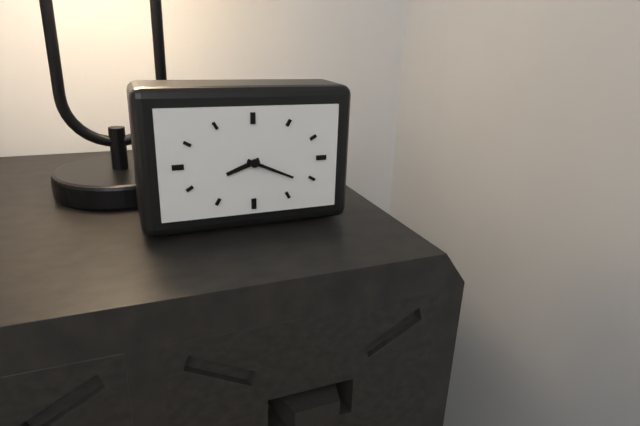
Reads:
{"hour": 8, "minute": 19}
